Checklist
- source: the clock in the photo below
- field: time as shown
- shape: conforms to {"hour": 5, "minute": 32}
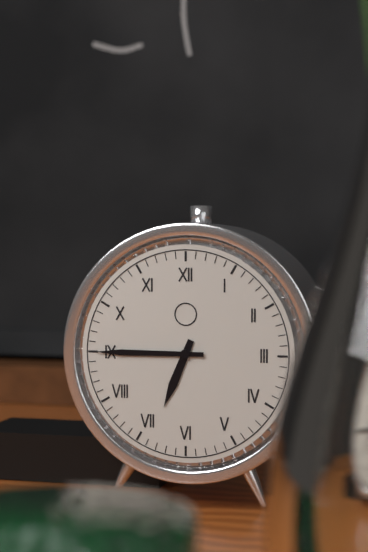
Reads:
{"hour": 6, "minute": 45}
